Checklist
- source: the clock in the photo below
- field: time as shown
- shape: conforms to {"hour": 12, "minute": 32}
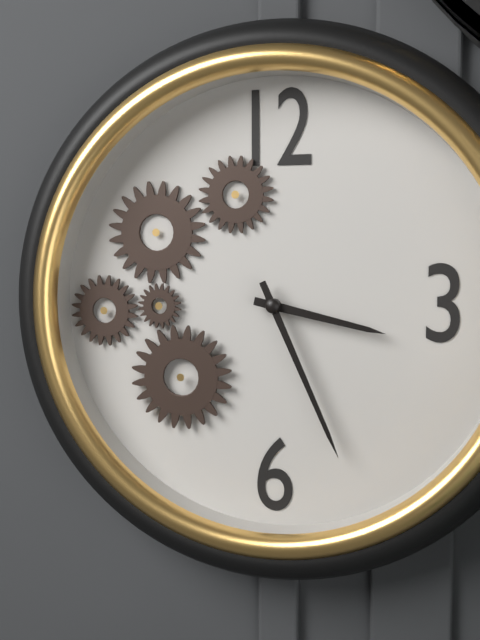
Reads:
{"hour": 3, "minute": 26}
